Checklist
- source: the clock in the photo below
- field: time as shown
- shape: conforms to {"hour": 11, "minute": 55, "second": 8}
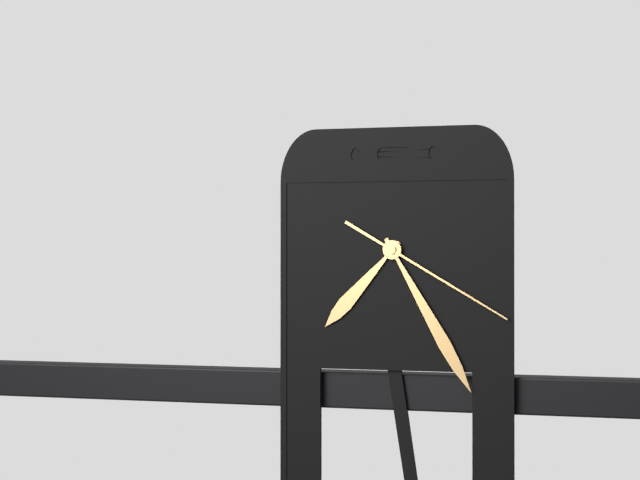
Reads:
{"hour": 7, "minute": 25, "second": 20}
